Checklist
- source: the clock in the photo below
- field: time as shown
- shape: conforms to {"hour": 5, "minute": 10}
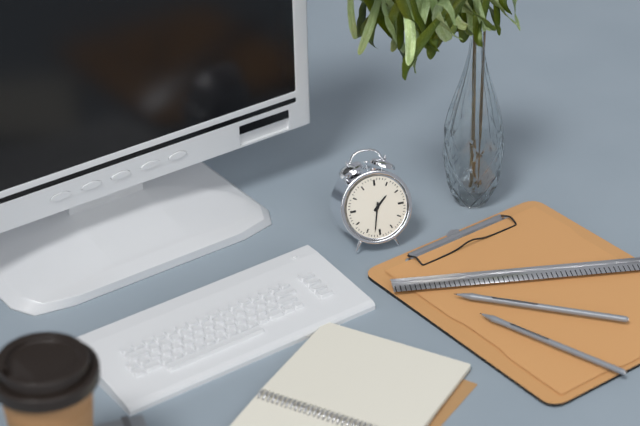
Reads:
{"hour": 1, "minute": 32}
